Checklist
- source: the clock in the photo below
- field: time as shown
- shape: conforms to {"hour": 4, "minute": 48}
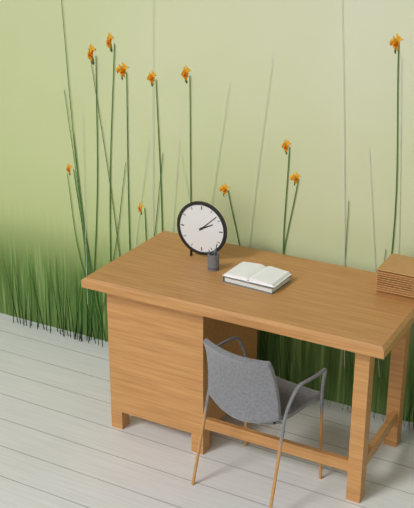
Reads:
{"hour": 2, "minute": 8}
